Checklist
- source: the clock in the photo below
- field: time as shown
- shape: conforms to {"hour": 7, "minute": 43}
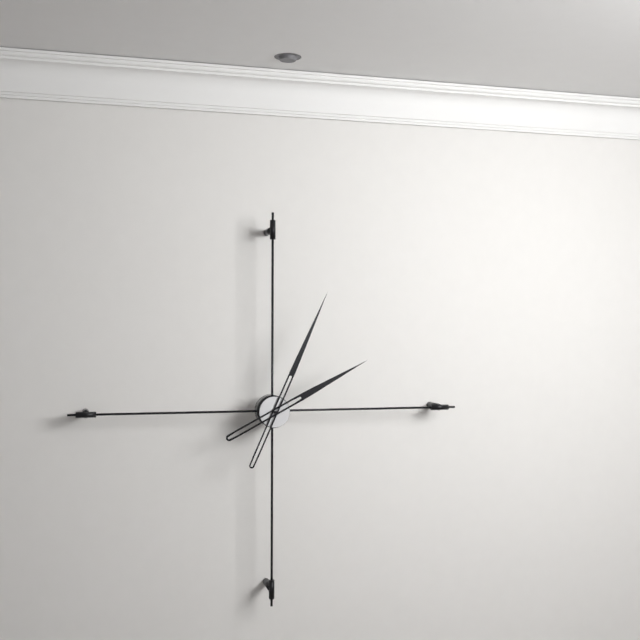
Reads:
{"hour": 2, "minute": 4}
